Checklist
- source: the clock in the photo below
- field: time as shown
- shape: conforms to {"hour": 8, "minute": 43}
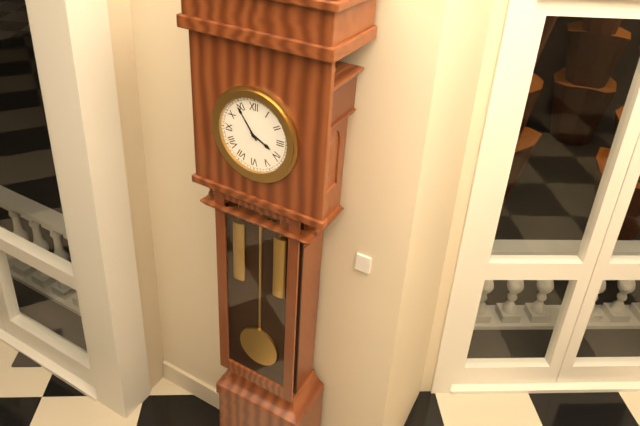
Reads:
{"hour": 3, "minute": 54}
